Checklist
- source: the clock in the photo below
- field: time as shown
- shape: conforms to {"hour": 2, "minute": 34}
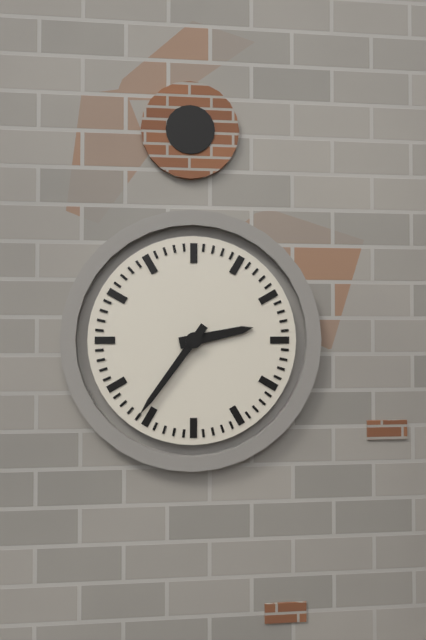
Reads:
{"hour": 2, "minute": 36}
